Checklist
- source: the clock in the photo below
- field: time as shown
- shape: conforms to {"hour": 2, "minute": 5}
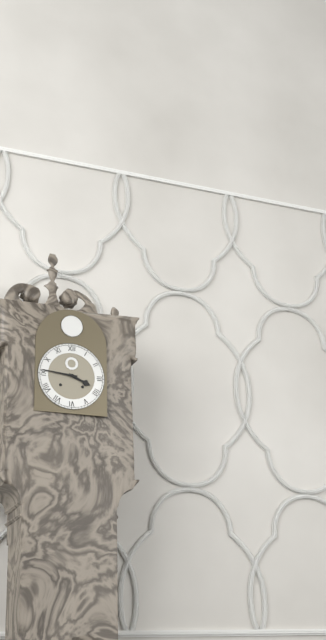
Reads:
{"hour": 3, "minute": 46}
